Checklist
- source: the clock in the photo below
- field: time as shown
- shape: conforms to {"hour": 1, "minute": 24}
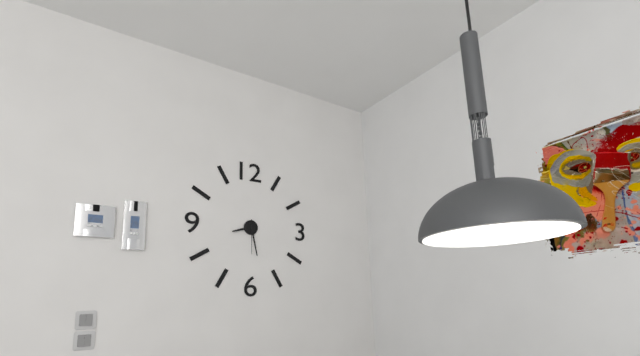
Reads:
{"hour": 8, "minute": 28}
